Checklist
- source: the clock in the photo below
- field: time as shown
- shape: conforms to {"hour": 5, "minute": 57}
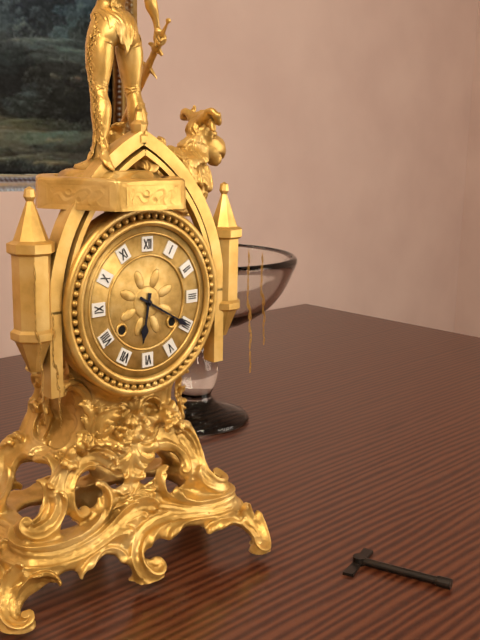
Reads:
{"hour": 6, "minute": 20}
